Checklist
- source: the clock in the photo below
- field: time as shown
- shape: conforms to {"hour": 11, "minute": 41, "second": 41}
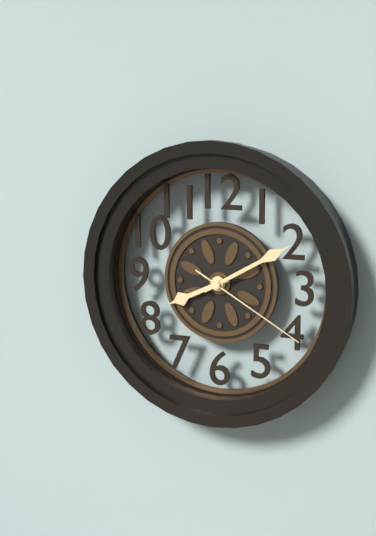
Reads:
{"hour": 8, "minute": 10, "second": 20}
